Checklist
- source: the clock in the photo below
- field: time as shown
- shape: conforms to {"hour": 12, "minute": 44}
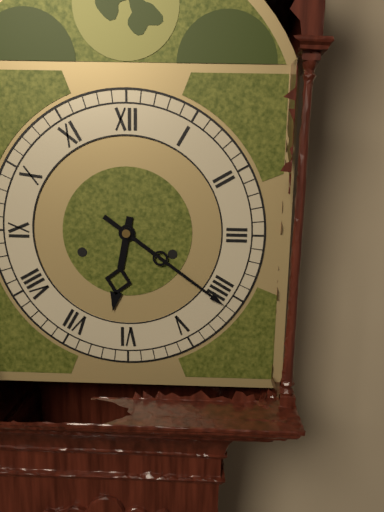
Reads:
{"hour": 6, "minute": 21}
